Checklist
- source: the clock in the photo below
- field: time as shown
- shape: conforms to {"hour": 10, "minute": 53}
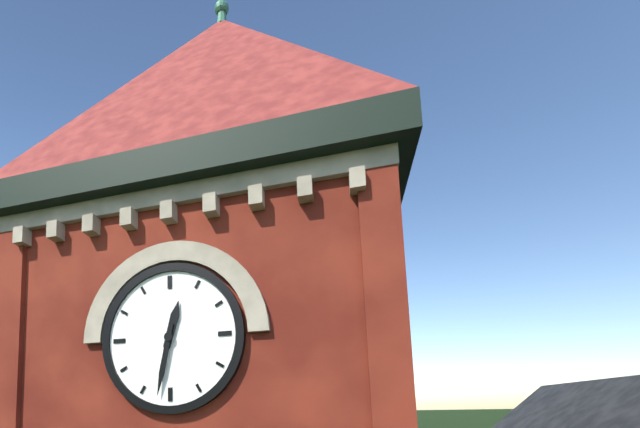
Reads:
{"hour": 12, "minute": 32}
